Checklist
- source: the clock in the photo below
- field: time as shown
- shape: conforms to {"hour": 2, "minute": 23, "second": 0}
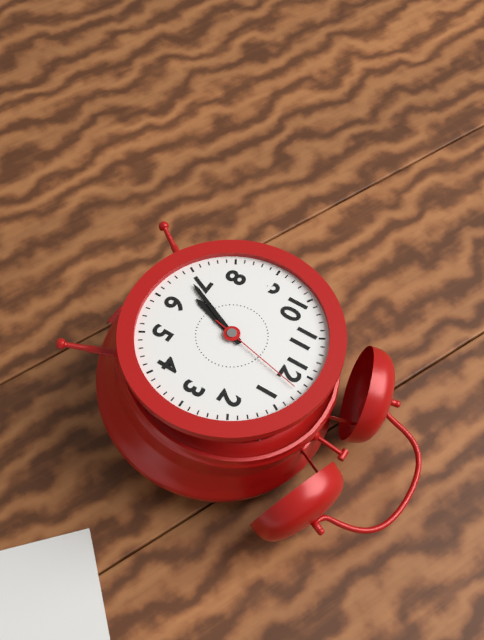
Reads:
{"hour": 6, "minute": 34, "second": 2}
